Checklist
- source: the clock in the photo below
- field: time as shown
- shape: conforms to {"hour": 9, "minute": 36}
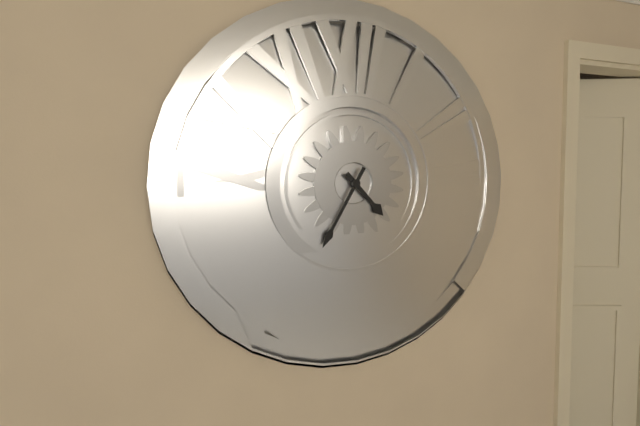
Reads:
{"hour": 4, "minute": 35}
